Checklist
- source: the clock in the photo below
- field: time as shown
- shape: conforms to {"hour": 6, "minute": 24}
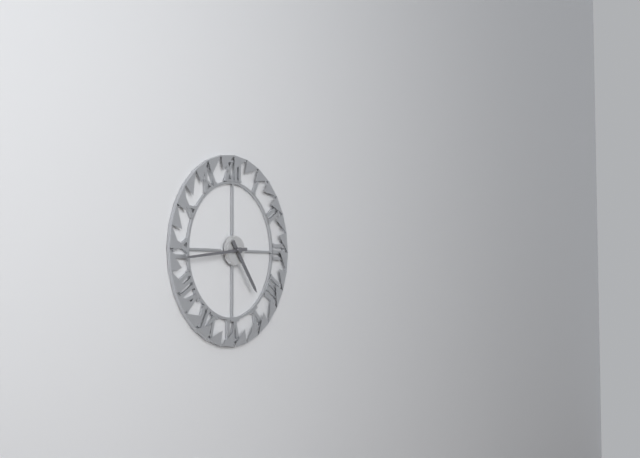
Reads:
{"hour": 4, "minute": 44}
